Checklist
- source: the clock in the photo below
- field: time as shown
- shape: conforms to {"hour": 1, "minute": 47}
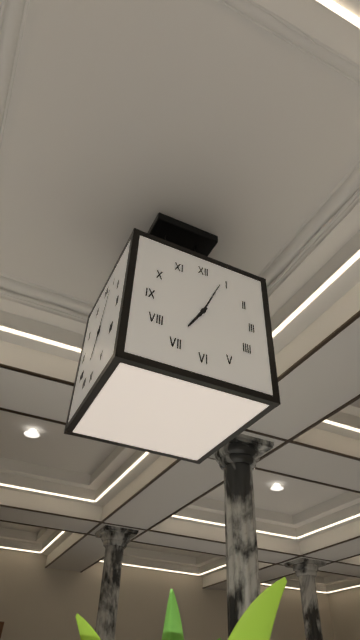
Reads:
{"hour": 7, "minute": 4}
